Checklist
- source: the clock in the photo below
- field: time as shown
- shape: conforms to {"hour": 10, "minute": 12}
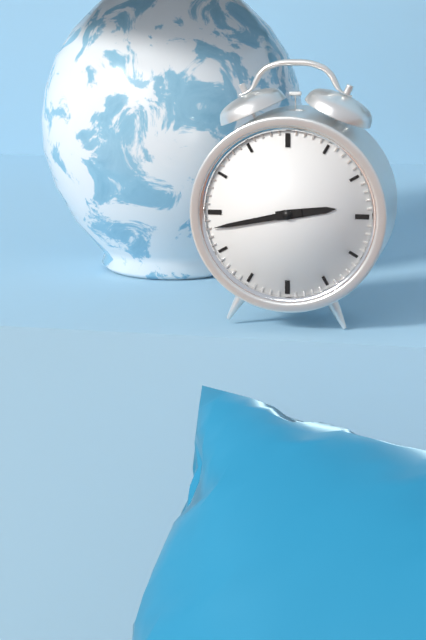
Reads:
{"hour": 2, "minute": 43}
